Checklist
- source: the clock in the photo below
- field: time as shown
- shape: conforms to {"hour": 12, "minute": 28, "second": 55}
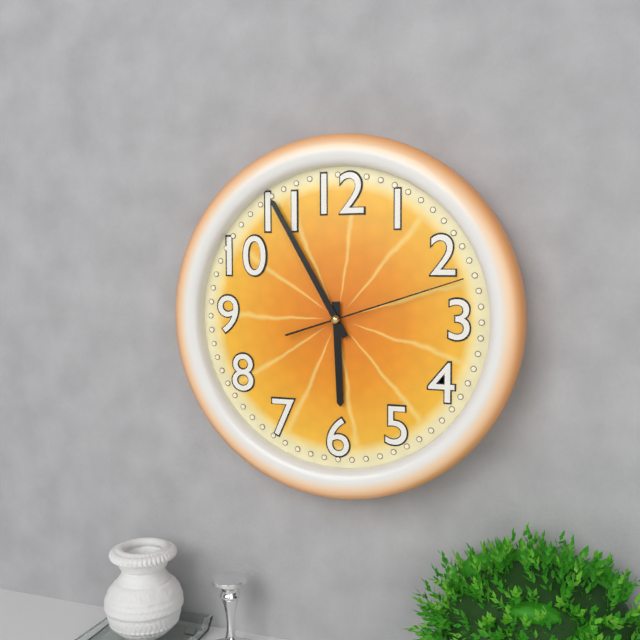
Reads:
{"hour": 5, "minute": 55, "second": 12}
